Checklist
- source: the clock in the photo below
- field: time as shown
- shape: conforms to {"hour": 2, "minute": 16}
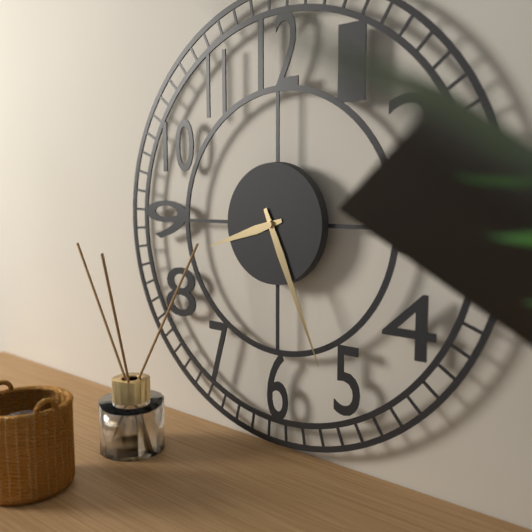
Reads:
{"hour": 8, "minute": 26}
